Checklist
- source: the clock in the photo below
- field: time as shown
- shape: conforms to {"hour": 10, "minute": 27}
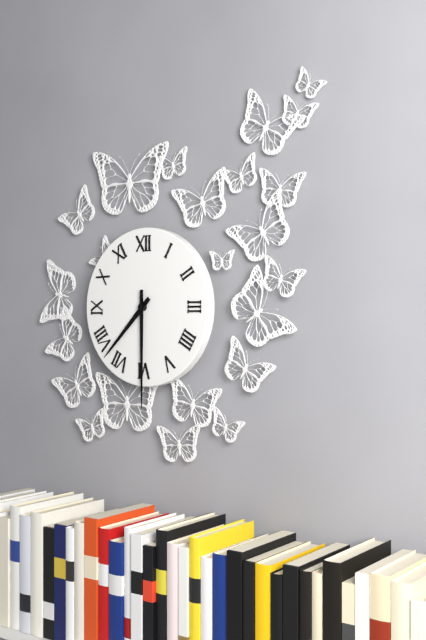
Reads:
{"hour": 7, "minute": 30}
